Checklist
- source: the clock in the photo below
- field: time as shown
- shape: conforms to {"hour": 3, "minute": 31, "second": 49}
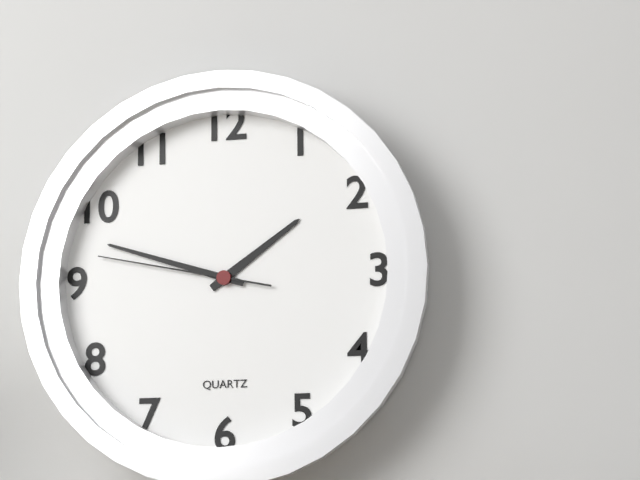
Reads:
{"hour": 1, "minute": 48, "second": 47}
